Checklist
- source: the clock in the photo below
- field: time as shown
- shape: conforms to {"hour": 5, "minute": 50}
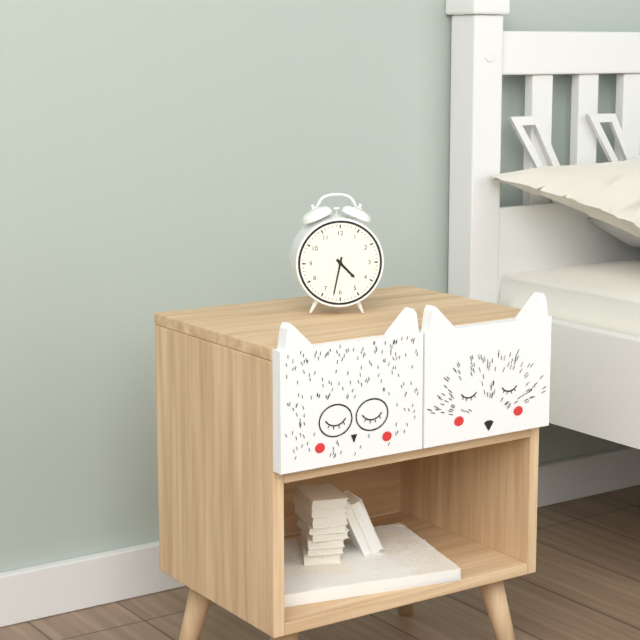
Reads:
{"hour": 4, "minute": 32}
